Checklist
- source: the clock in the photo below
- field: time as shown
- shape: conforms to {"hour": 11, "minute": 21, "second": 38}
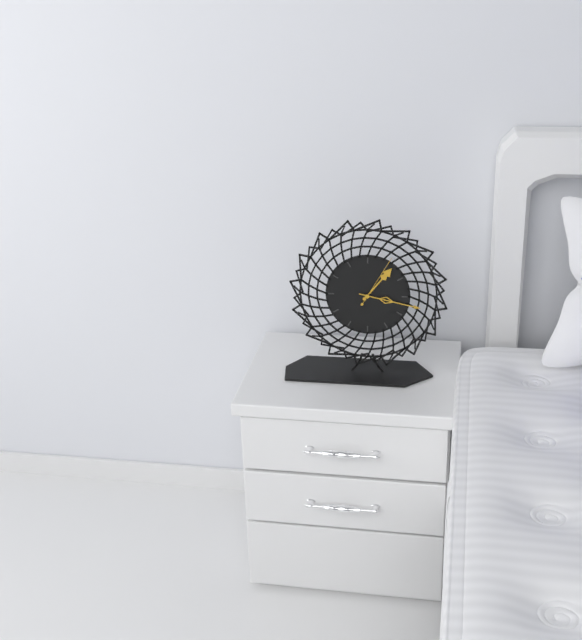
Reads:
{"hour": 1, "minute": 17, "second": 5}
